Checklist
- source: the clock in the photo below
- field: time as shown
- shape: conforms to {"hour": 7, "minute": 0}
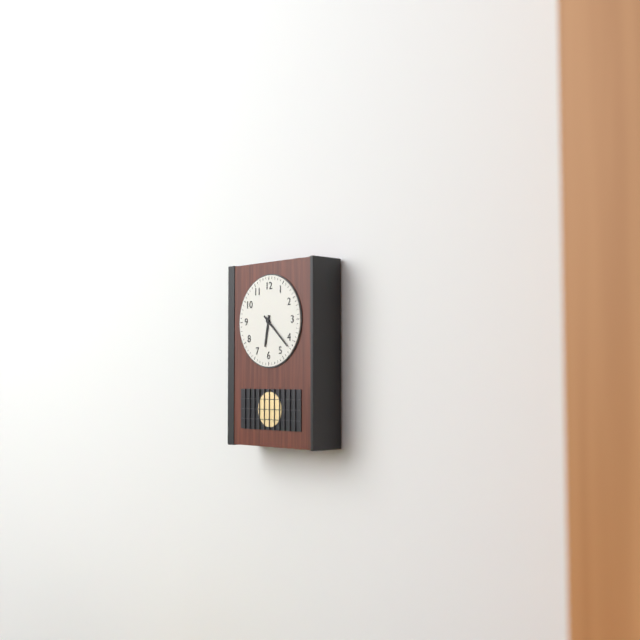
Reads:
{"hour": 6, "minute": 22}
